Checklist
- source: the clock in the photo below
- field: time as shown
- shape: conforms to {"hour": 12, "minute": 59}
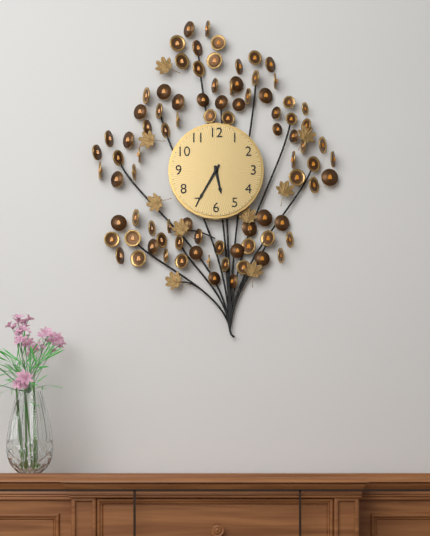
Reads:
{"hour": 5, "minute": 35}
